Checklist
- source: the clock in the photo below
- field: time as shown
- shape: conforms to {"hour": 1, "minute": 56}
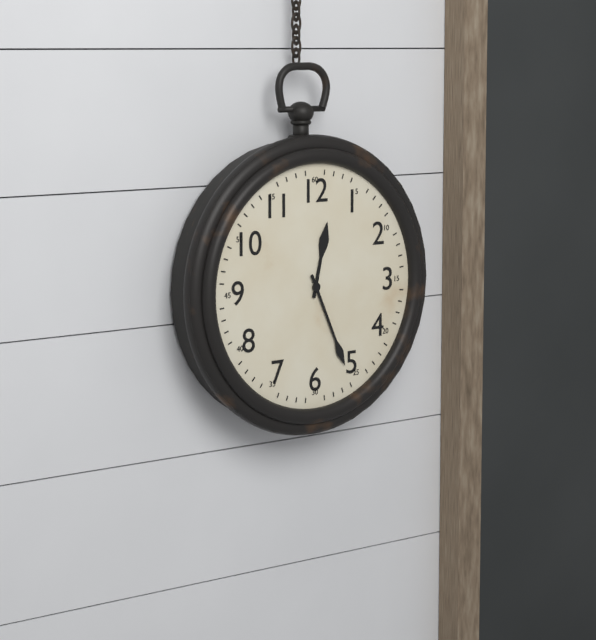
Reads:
{"hour": 12, "minute": 26}
